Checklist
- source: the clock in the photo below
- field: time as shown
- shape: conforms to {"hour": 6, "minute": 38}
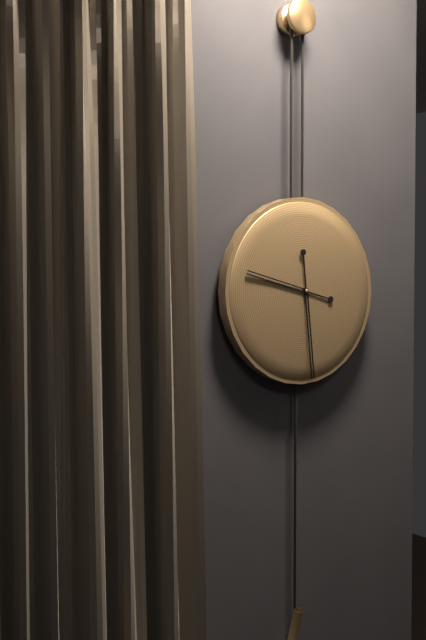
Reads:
{"hour": 9, "minute": 29}
